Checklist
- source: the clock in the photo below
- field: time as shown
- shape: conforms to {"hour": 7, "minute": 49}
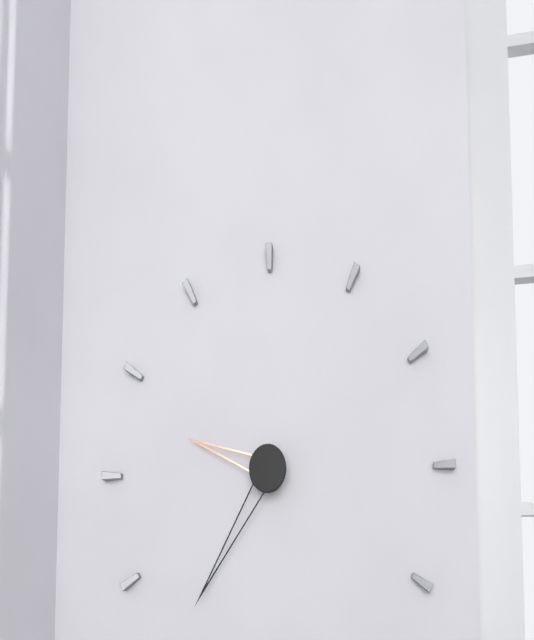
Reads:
{"hour": 9, "minute": 36}
